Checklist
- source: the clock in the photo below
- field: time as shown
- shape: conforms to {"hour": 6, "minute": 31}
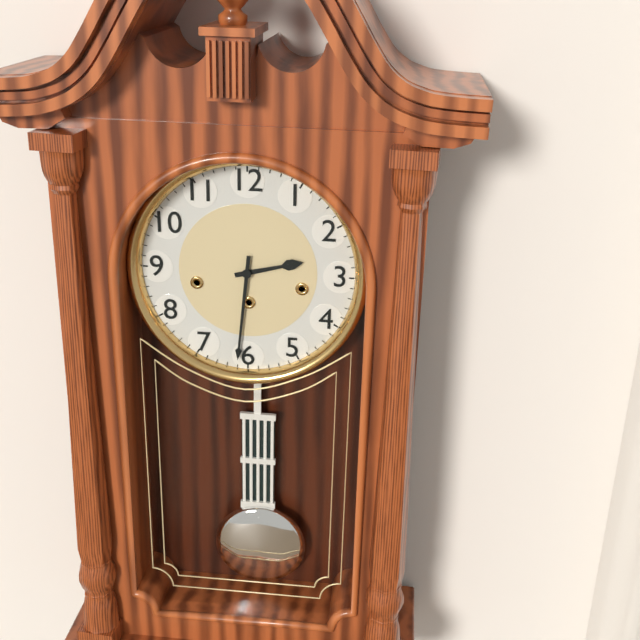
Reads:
{"hour": 2, "minute": 31}
